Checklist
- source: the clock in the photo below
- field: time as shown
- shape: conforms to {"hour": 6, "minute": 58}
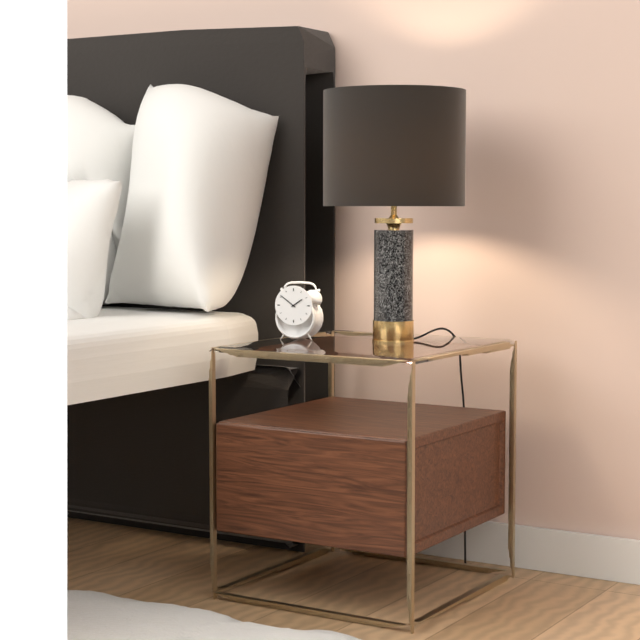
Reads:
{"hour": 1, "minute": 51}
